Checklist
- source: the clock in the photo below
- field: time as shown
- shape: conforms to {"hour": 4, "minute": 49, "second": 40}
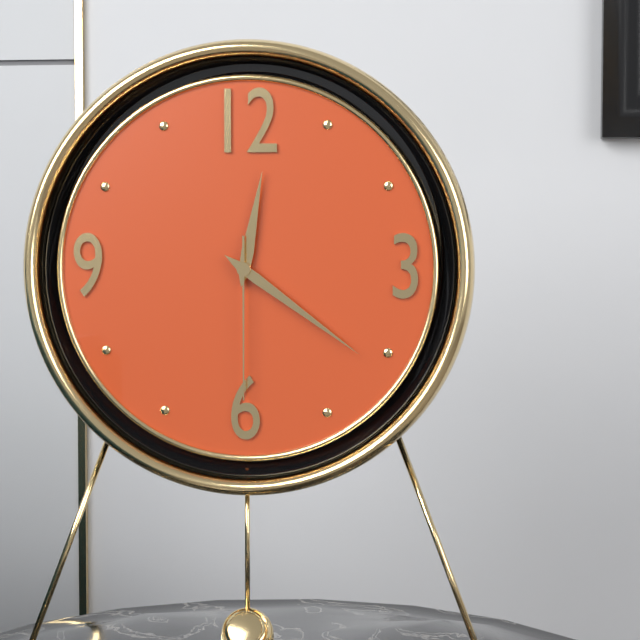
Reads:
{"hour": 12, "minute": 21, "second": 30}
